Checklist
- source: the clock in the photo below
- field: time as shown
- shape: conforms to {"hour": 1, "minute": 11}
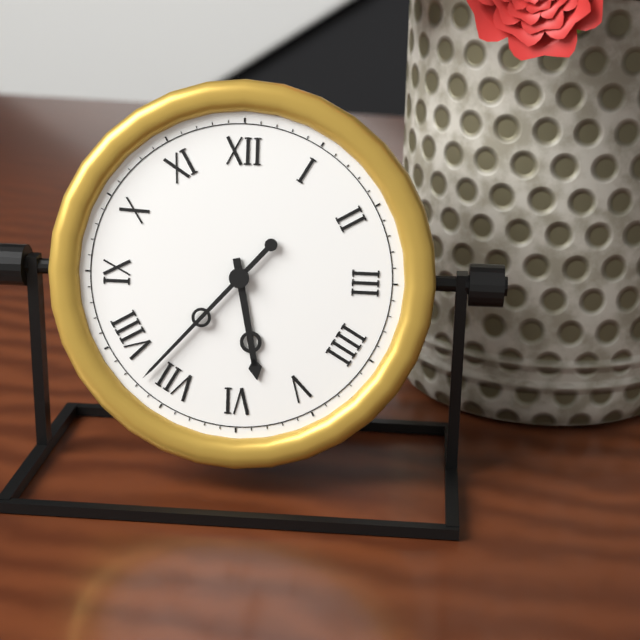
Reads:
{"hour": 5, "minute": 37}
